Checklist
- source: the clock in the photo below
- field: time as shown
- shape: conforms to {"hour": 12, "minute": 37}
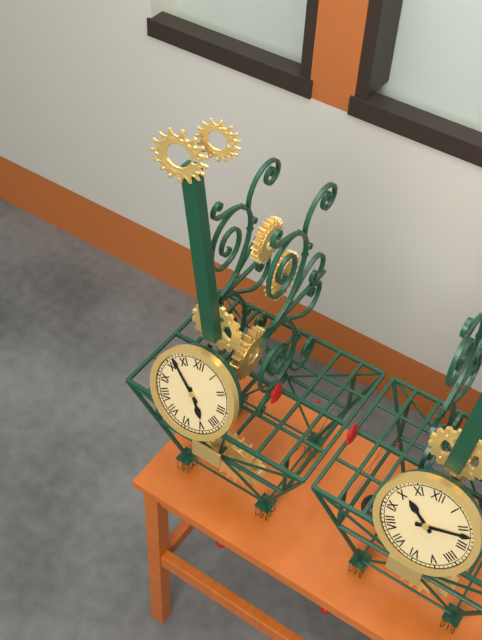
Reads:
{"hour": 4, "minute": 52}
